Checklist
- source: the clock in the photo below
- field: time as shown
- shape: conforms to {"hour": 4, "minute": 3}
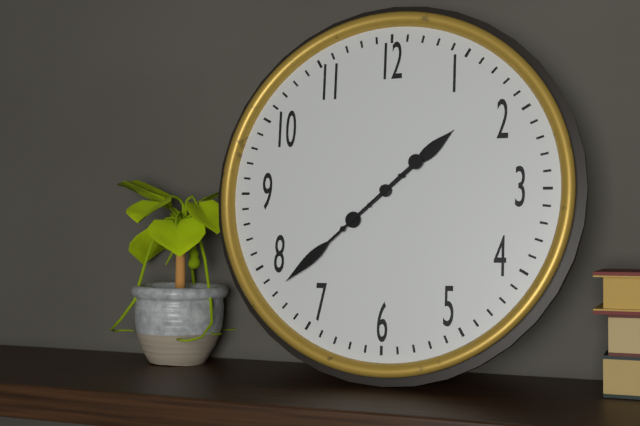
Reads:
{"hour": 1, "minute": 38}
